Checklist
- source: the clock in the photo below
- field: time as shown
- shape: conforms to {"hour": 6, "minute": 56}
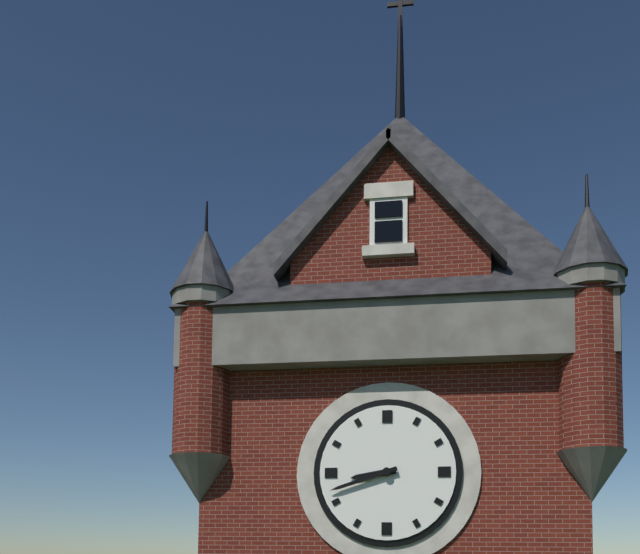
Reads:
{"hour": 8, "minute": 42}
